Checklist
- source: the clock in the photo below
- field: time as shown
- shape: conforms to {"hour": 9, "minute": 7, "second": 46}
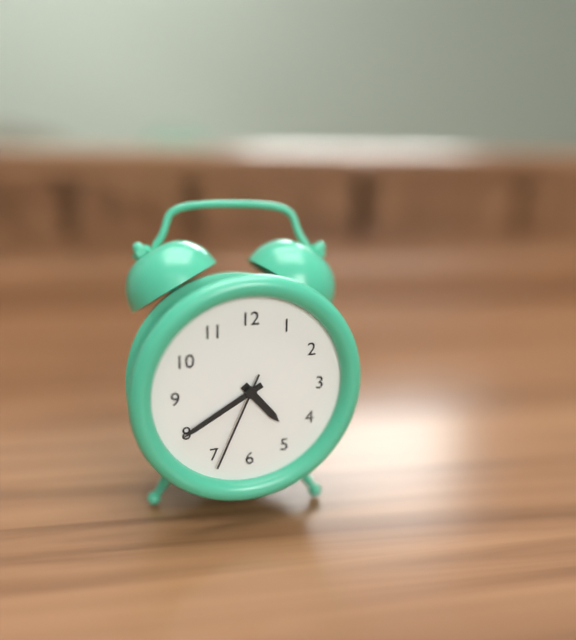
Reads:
{"hour": 4, "minute": 40, "second": 34}
